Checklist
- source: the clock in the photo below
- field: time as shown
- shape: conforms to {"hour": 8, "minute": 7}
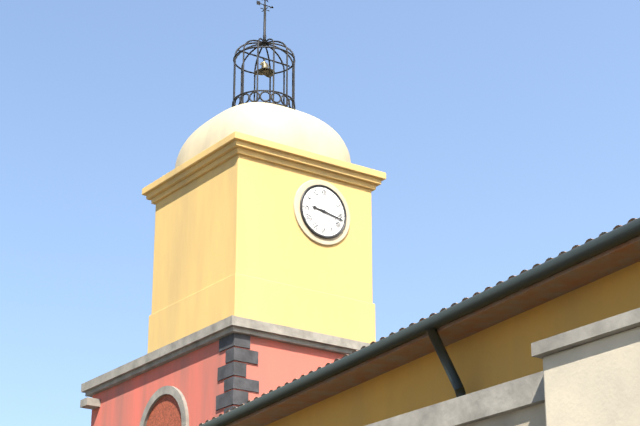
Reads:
{"hour": 9, "minute": 17}
